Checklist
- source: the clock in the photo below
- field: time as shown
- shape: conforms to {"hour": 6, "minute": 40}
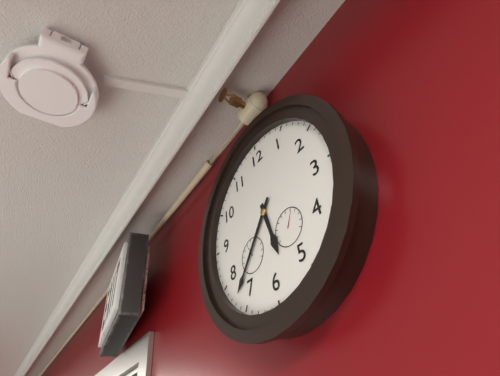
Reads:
{"hour": 5, "minute": 37}
